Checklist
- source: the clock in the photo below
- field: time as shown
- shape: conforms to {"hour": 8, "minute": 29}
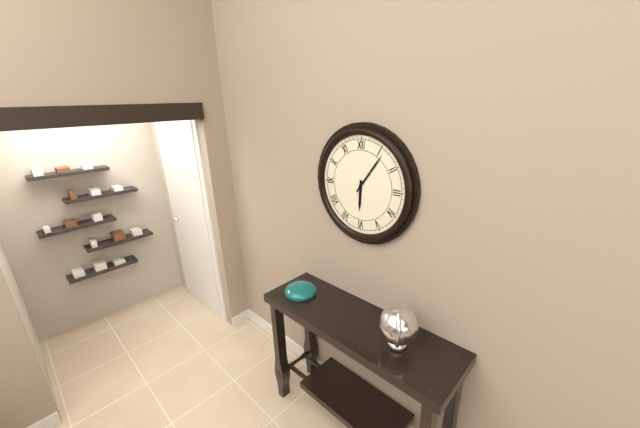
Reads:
{"hour": 6, "minute": 6}
